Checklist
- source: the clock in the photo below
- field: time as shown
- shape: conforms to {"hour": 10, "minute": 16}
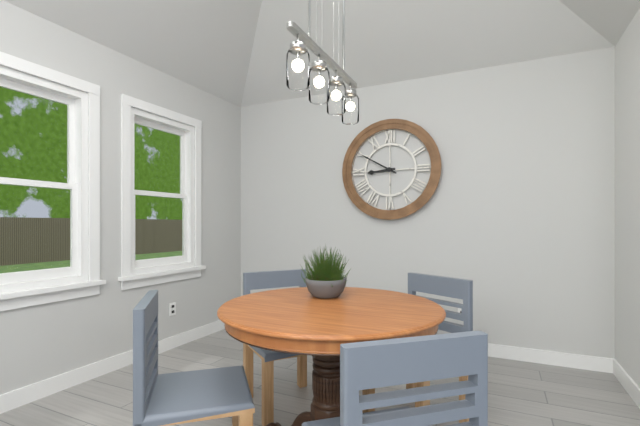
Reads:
{"hour": 8, "minute": 50}
